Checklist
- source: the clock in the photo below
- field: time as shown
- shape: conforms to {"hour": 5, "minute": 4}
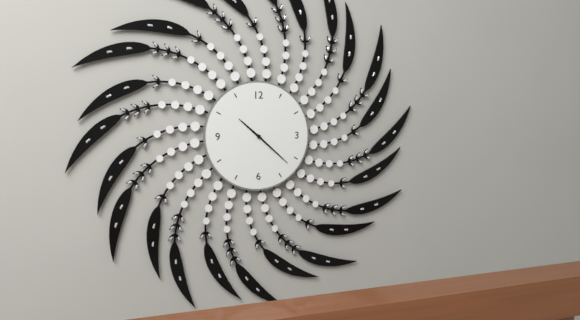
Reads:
{"hour": 10, "minute": 22}
